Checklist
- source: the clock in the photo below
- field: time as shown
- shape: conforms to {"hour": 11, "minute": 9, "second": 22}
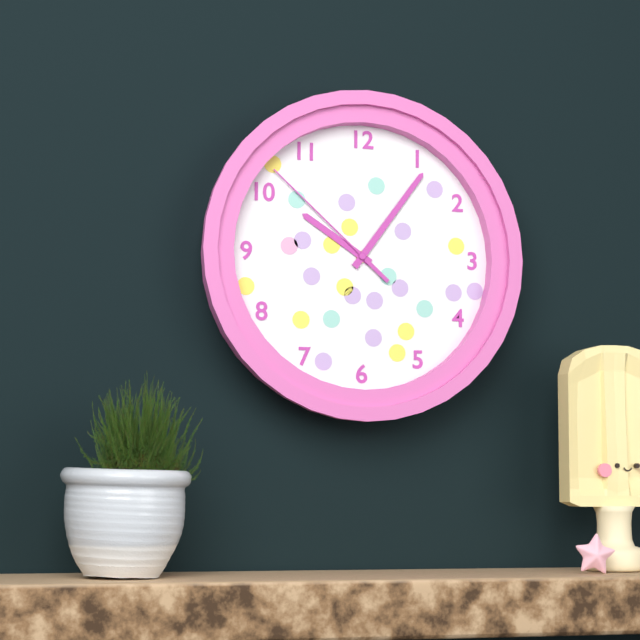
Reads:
{"hour": 10, "minute": 6, "second": 52}
